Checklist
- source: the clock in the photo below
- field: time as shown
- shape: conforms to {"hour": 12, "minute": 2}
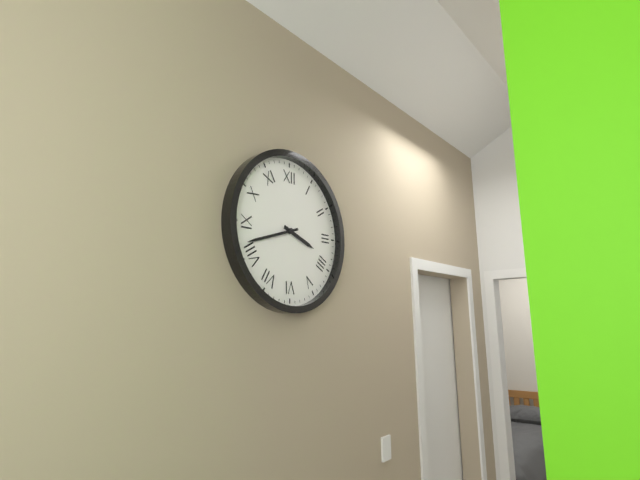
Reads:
{"hour": 3, "minute": 42}
